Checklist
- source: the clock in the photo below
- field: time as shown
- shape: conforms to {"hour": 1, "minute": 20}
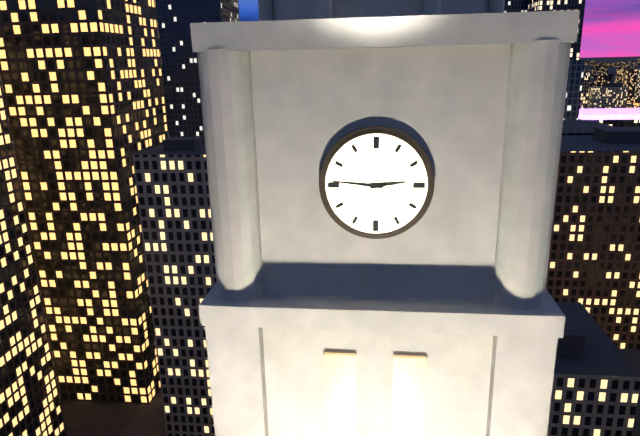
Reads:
{"hour": 2, "minute": 46}
